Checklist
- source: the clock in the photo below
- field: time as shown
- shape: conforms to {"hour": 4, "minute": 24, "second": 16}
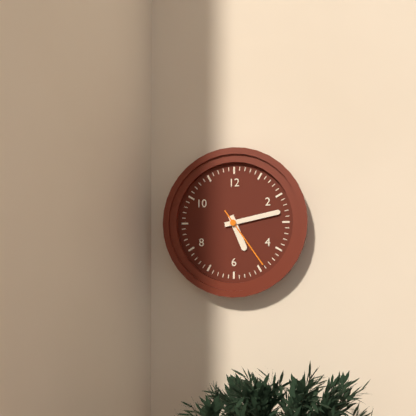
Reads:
{"hour": 5, "minute": 13, "second": 24}
